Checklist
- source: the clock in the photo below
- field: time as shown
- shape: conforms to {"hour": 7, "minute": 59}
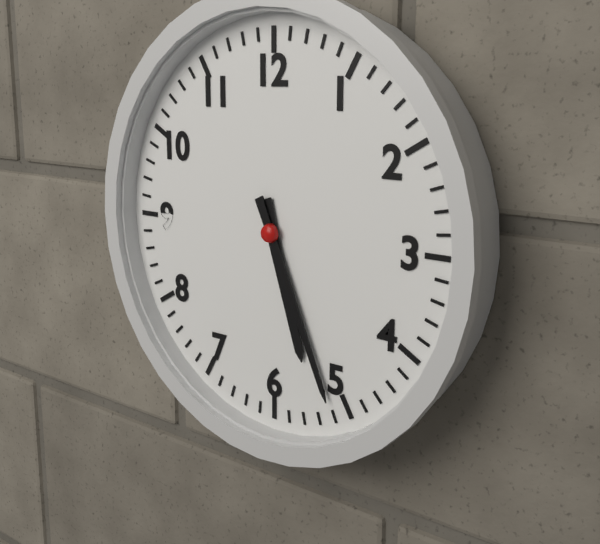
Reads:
{"hour": 5, "minute": 26}
